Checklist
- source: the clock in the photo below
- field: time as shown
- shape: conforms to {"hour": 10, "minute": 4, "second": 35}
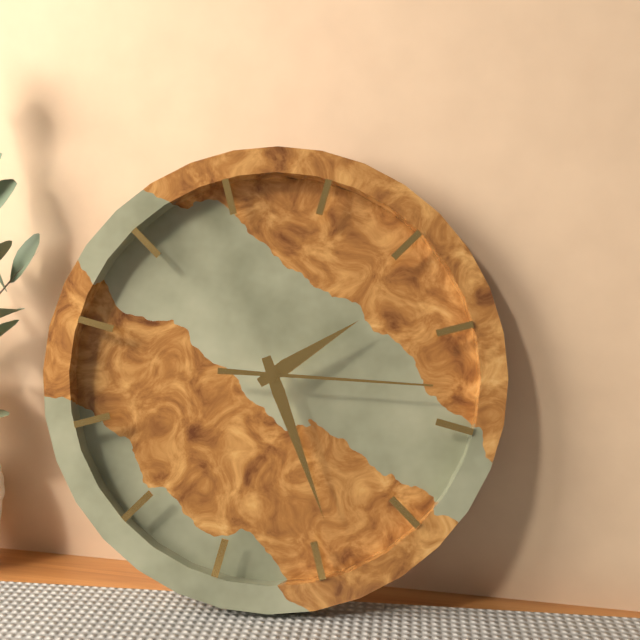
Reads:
{"hour": 1, "minute": 24, "second": 13}
